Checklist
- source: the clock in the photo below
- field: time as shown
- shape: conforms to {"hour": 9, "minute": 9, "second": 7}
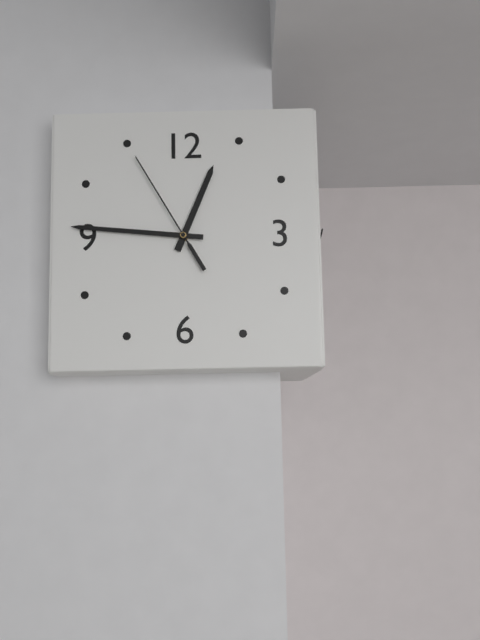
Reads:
{"hour": 12, "minute": 46, "second": 55}
